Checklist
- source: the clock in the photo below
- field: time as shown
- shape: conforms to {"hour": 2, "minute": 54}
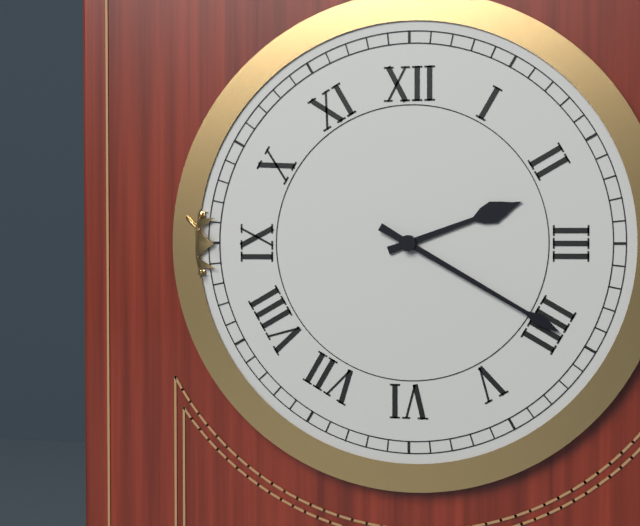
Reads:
{"hour": 2, "minute": 20}
